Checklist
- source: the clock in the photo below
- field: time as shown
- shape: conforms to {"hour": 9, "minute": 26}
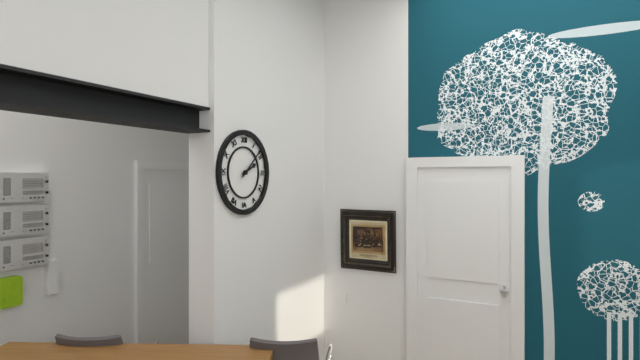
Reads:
{"hour": 2, "minute": 8}
